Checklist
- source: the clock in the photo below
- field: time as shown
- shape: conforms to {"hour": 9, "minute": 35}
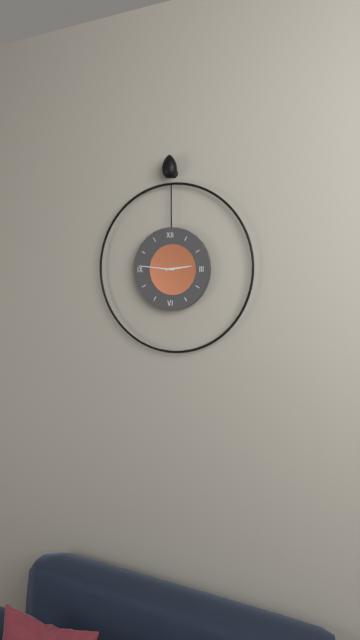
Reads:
{"hour": 2, "minute": 46}
